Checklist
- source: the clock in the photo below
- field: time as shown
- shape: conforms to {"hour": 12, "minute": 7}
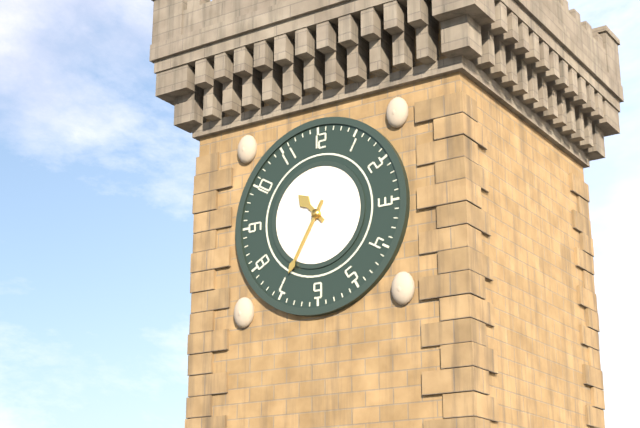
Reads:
{"hour": 10, "minute": 35}
